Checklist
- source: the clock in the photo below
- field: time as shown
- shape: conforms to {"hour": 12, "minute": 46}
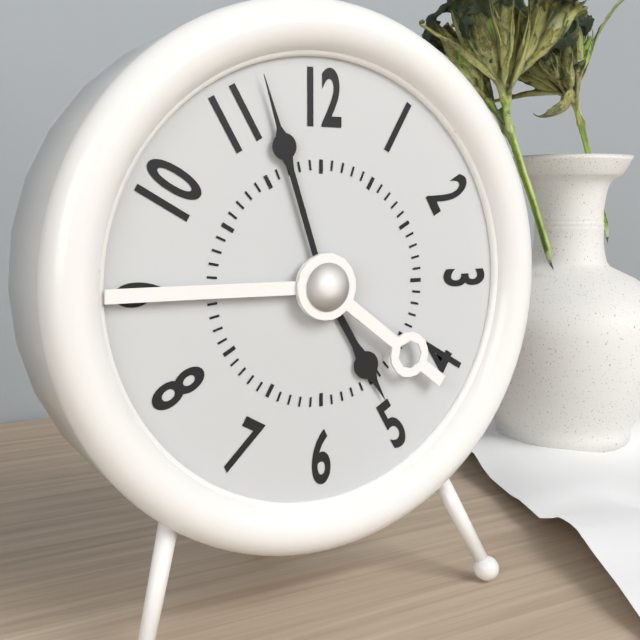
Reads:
{"hour": 4, "minute": 57}
